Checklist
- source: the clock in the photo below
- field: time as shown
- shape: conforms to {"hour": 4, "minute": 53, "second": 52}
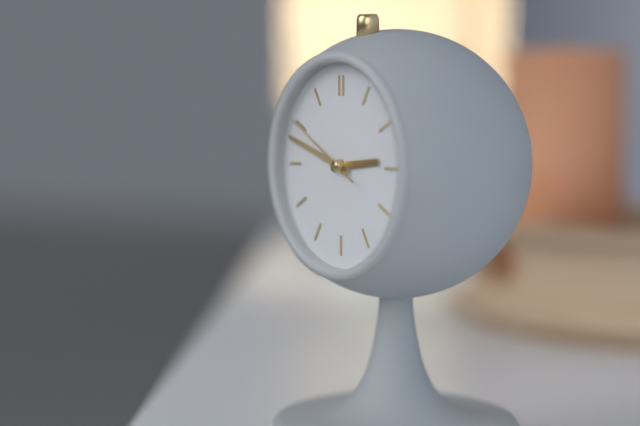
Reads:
{"hour": 2, "minute": 48, "second": 50}
